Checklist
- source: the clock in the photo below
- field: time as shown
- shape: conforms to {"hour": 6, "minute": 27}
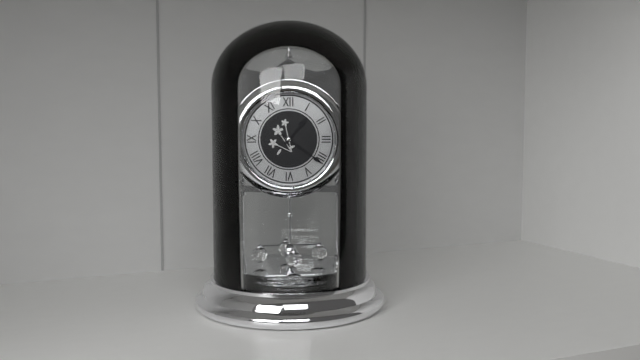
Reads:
{"hour": 1, "minute": 21}
